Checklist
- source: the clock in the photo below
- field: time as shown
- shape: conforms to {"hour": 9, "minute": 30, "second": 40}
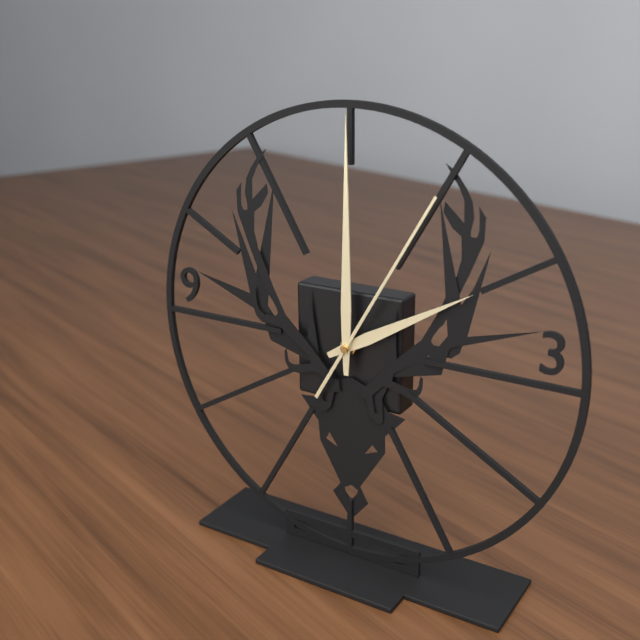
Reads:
{"hour": 2, "minute": 0, "second": 5}
